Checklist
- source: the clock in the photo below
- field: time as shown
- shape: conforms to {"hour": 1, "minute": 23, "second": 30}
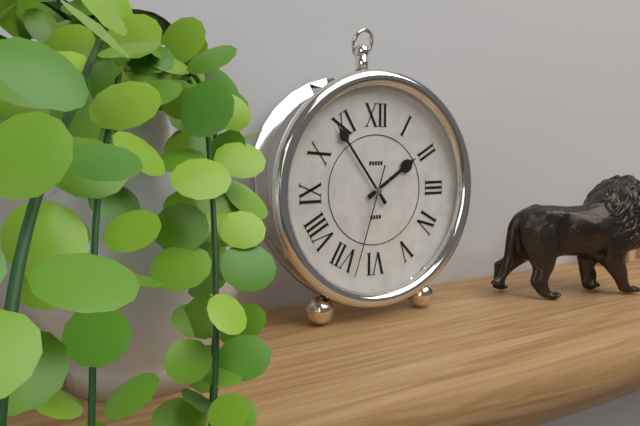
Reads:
{"hour": 1, "minute": 54, "second": 33}
